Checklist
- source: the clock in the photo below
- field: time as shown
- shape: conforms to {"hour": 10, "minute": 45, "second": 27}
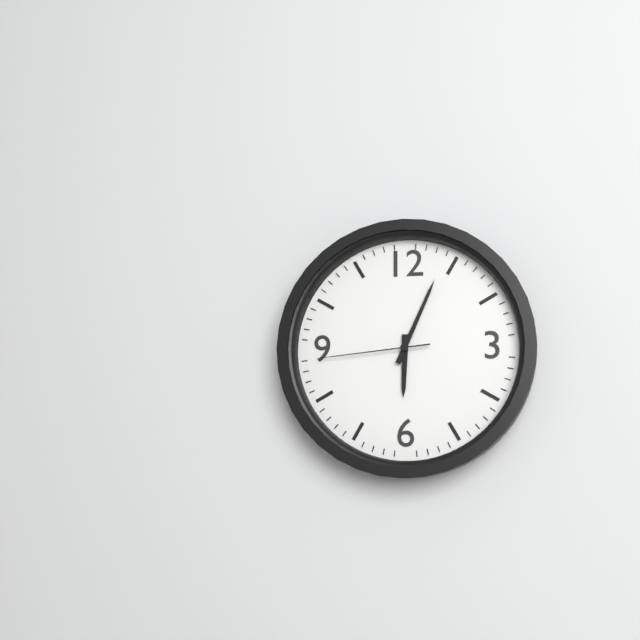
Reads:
{"hour": 6, "minute": 4, "second": 44}
